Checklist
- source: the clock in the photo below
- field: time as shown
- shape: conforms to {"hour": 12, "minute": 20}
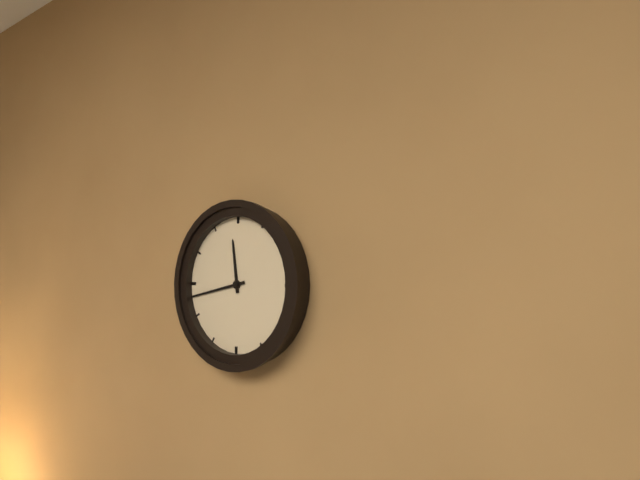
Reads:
{"hour": 11, "minute": 43}
